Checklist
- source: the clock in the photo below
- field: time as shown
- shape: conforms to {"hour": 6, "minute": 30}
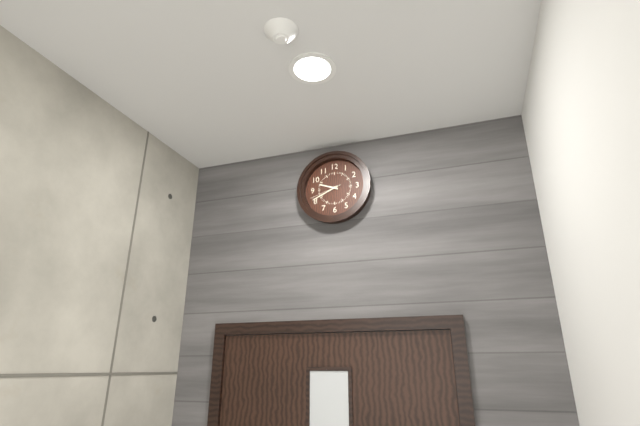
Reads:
{"hour": 9, "minute": 41}
